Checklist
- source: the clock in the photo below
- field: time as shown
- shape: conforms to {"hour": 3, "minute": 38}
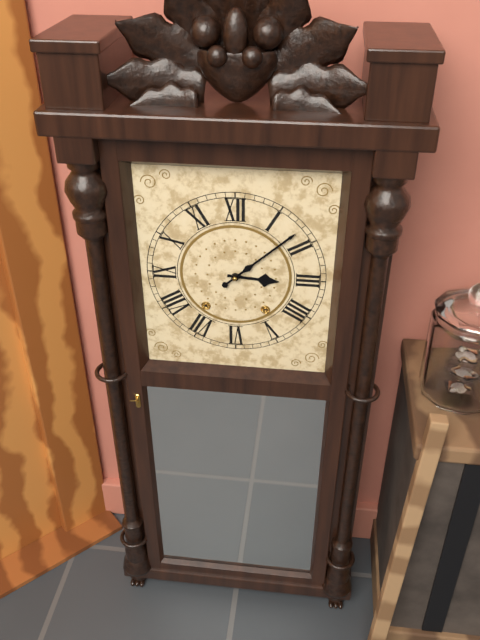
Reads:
{"hour": 3, "minute": 8}
